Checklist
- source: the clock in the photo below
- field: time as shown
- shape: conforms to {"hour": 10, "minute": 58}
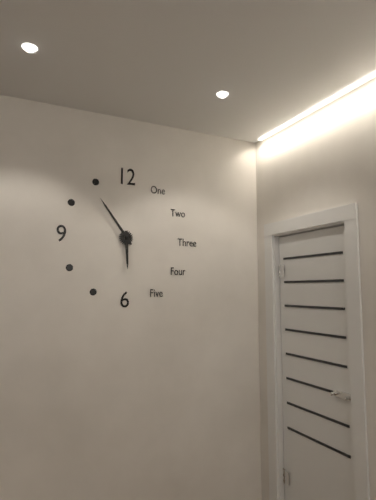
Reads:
{"hour": 5, "minute": 54}
